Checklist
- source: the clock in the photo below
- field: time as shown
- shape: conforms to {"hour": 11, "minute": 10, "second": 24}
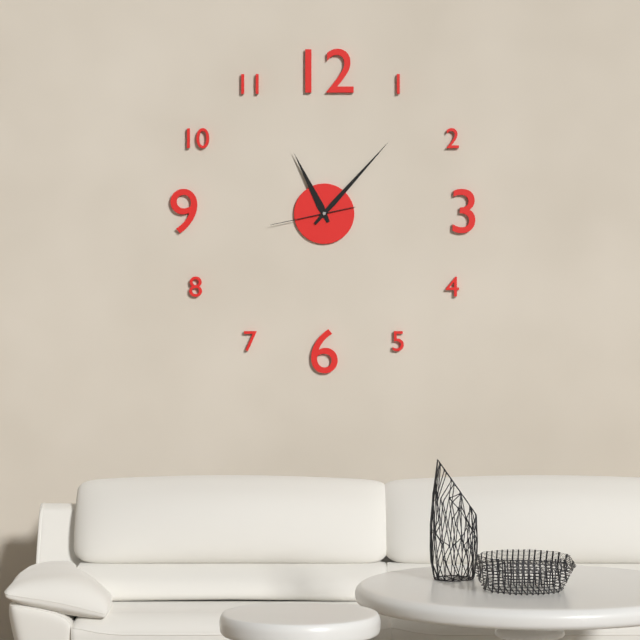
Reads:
{"hour": 11, "minute": 7, "second": 43}
